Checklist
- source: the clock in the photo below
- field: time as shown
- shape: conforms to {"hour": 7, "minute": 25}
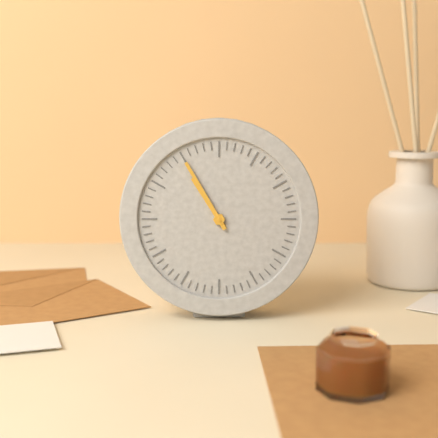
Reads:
{"hour": 10, "minute": 55}
